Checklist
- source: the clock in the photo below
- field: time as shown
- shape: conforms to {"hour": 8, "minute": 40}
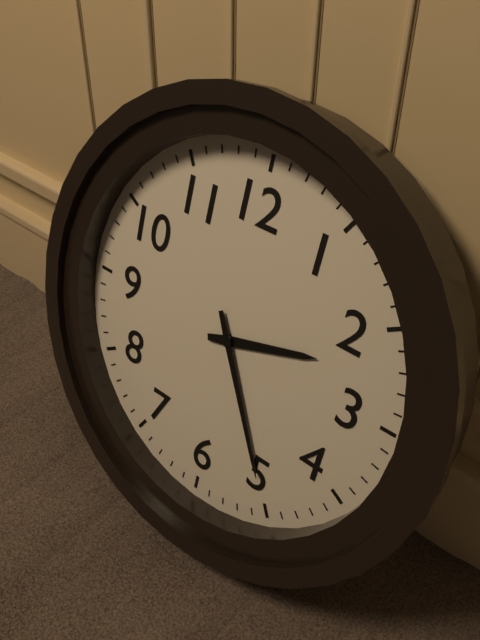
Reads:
{"hour": 2, "minute": 25}
